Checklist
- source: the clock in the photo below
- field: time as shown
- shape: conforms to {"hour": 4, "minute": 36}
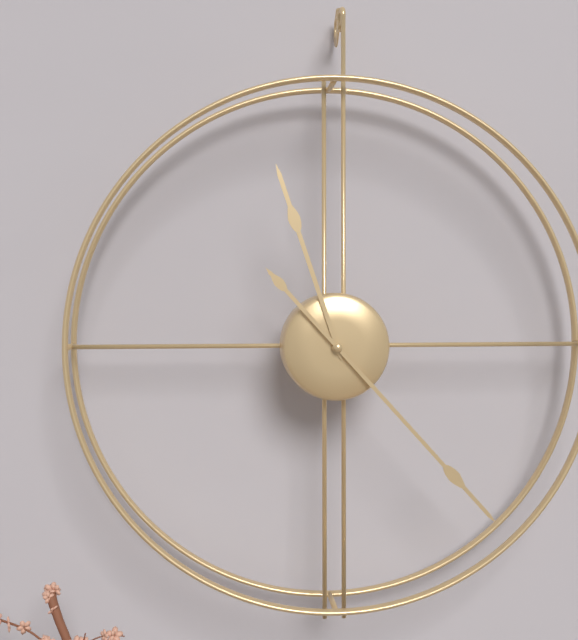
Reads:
{"hour": 11, "minute": 23}
